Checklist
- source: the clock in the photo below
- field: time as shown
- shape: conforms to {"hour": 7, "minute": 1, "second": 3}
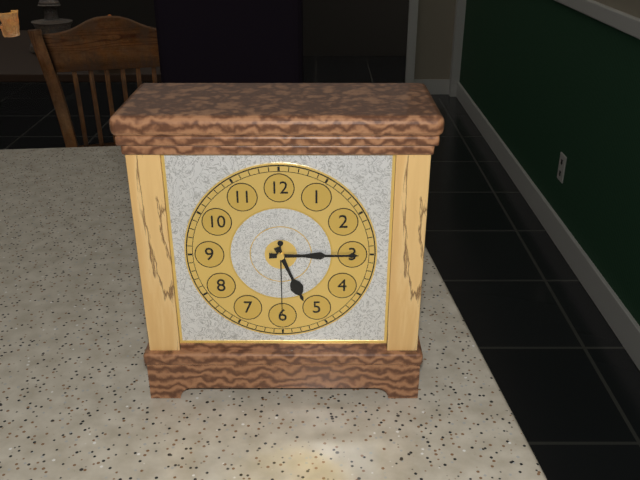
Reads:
{"hour": 5, "minute": 15, "second": 30}
